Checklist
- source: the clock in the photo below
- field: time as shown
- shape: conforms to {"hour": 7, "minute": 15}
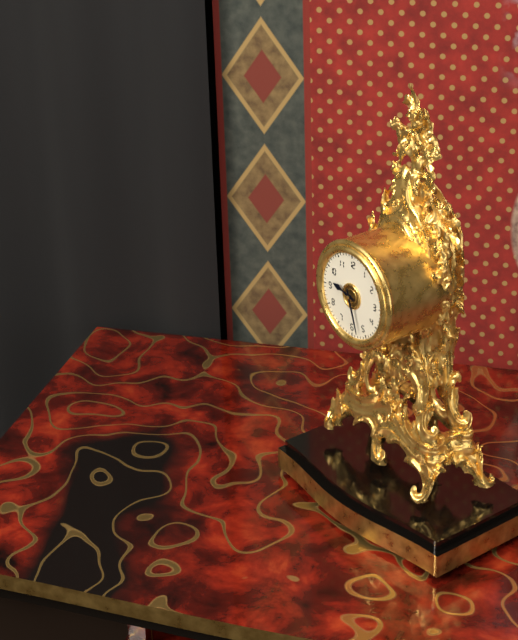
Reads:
{"hour": 9, "minute": 27}
